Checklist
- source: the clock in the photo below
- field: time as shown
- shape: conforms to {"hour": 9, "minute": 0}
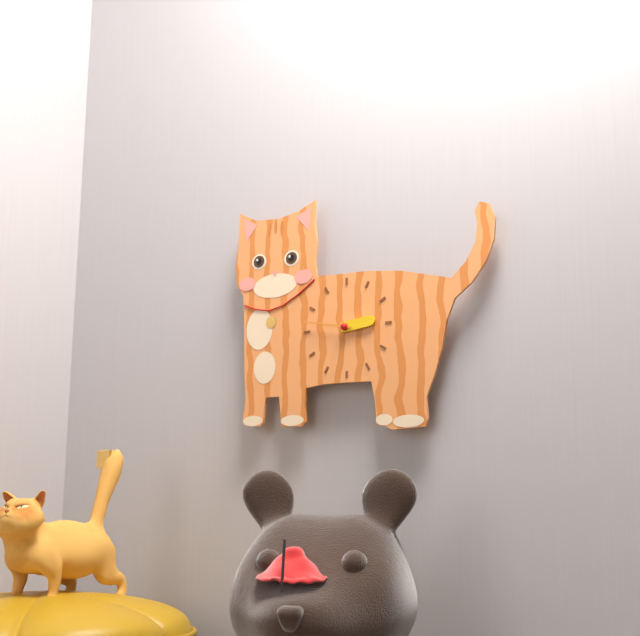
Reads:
{"hour": 2, "minute": 47}
